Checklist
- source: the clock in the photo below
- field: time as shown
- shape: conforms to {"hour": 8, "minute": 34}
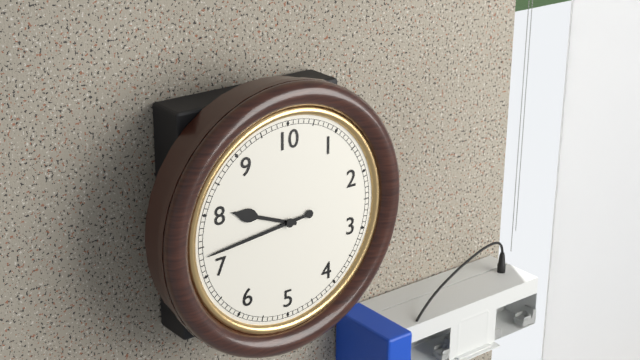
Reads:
{"hour": 9, "minute": 44}
